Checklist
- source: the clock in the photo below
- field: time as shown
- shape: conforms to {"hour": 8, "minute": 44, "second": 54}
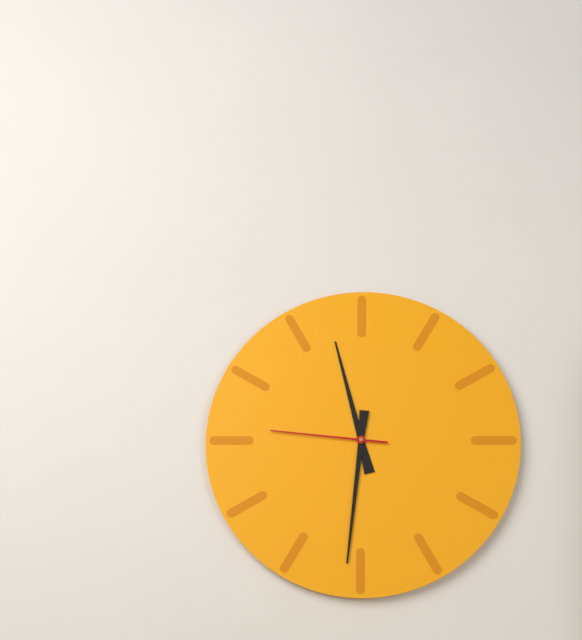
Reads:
{"hour": 11, "minute": 31, "second": 46}
